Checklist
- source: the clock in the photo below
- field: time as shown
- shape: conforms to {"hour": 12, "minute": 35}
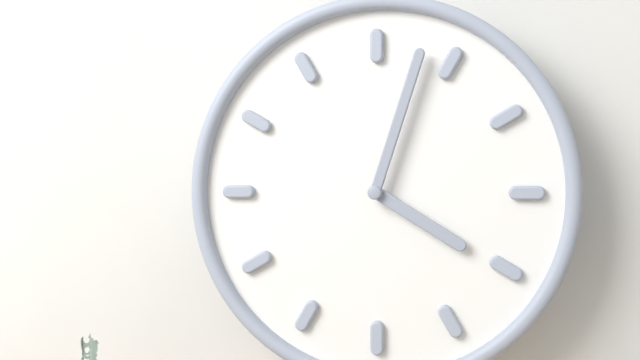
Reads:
{"hour": 4, "minute": 3}
